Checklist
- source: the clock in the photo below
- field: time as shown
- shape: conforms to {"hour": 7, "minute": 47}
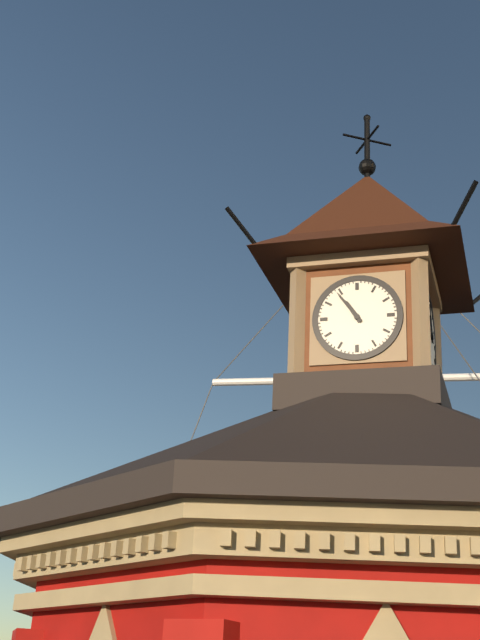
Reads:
{"hour": 10, "minute": 54}
